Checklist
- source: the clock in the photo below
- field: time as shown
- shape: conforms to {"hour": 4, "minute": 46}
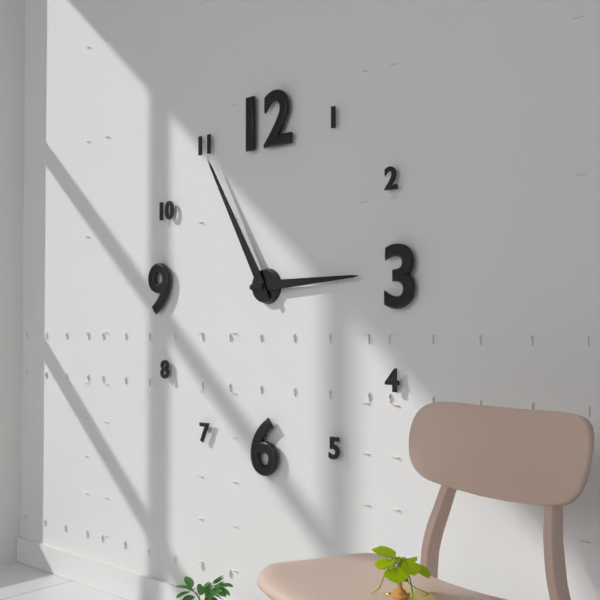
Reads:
{"hour": 2, "minute": 55}
